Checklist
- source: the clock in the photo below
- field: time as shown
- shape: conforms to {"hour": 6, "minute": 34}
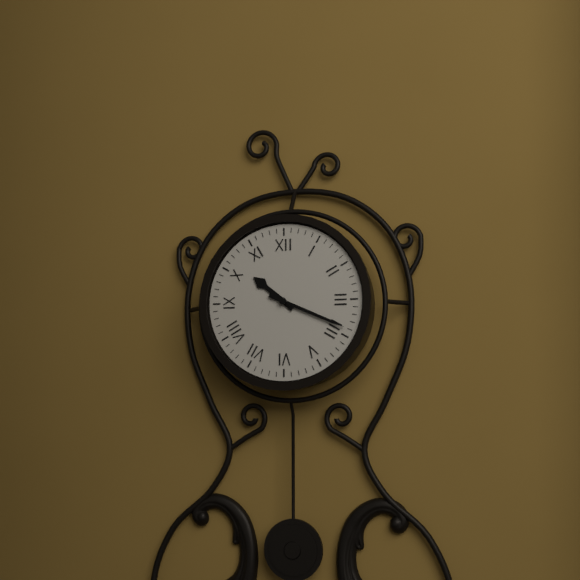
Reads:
{"hour": 10, "minute": 19}
